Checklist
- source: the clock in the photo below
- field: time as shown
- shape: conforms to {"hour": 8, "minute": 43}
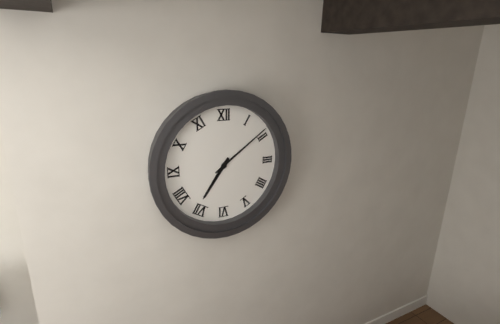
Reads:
{"hour": 7, "minute": 9}
